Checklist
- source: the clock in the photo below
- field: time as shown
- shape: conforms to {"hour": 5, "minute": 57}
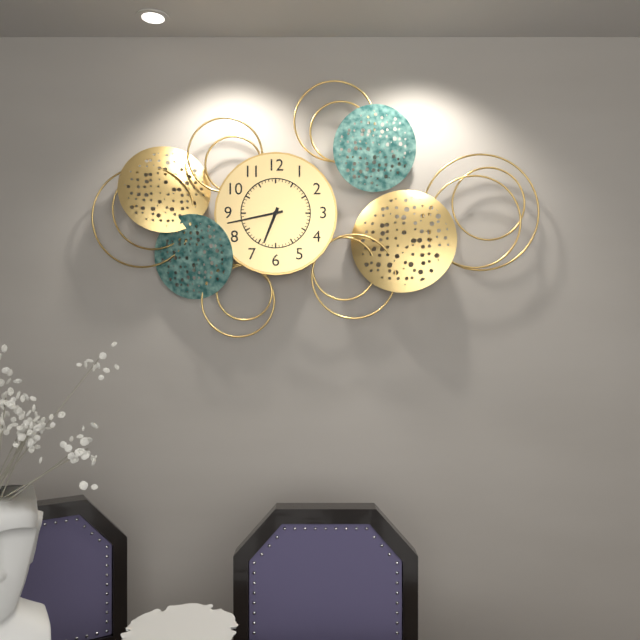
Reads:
{"hour": 6, "minute": 43}
